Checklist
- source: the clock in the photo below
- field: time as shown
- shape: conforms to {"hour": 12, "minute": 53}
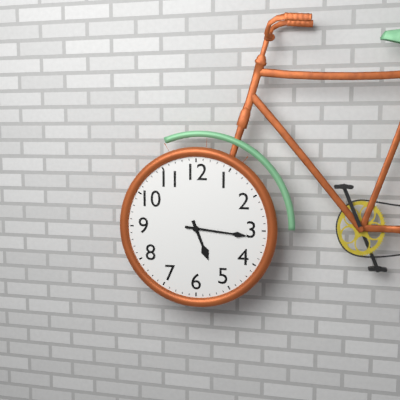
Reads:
{"hour": 5, "minute": 16}
